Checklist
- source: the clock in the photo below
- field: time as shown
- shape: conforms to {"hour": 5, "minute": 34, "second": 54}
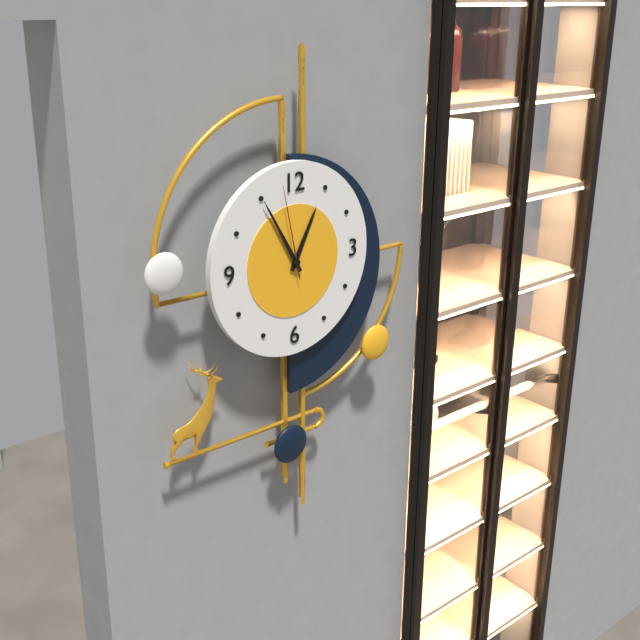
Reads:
{"hour": 12, "minute": 55, "second": 58}
